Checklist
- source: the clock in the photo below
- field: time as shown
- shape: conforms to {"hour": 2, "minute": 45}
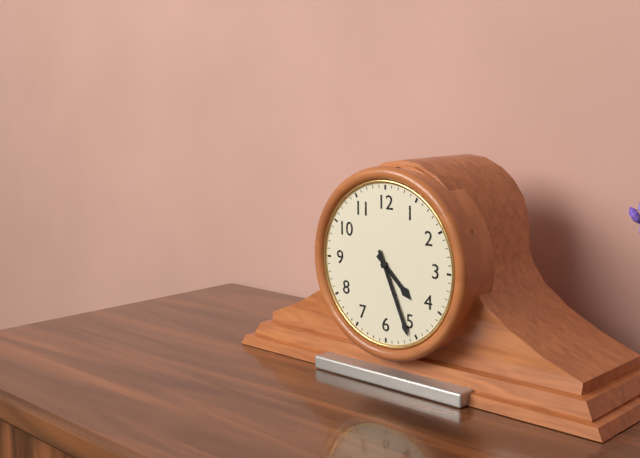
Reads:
{"hour": 4, "minute": 26}
